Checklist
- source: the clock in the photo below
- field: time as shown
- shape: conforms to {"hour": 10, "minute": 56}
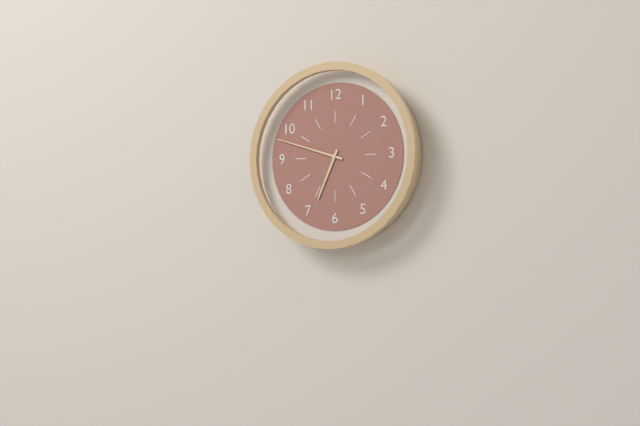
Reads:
{"hour": 6, "minute": 48}
